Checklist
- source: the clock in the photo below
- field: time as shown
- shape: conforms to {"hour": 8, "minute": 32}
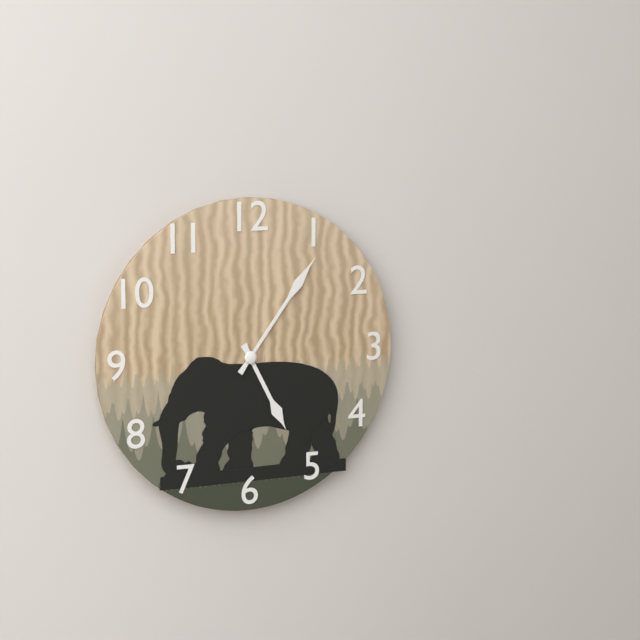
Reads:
{"hour": 5, "minute": 6}
